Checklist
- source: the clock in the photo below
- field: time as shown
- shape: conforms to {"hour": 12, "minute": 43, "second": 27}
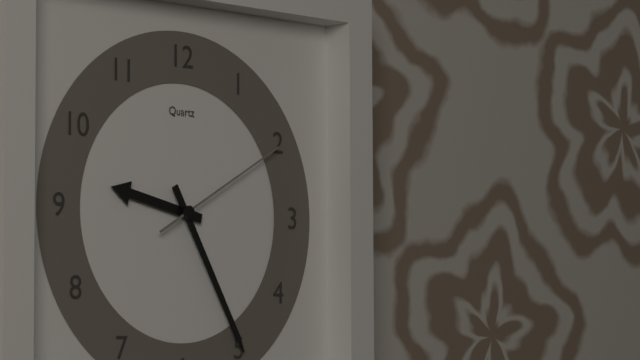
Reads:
{"hour": 9, "minute": 25, "second": 10}
